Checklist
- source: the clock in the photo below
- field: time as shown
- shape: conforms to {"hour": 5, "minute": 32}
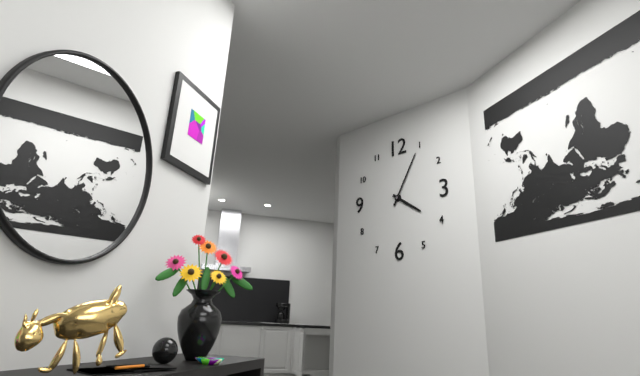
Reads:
{"hour": 4, "minute": 5}
